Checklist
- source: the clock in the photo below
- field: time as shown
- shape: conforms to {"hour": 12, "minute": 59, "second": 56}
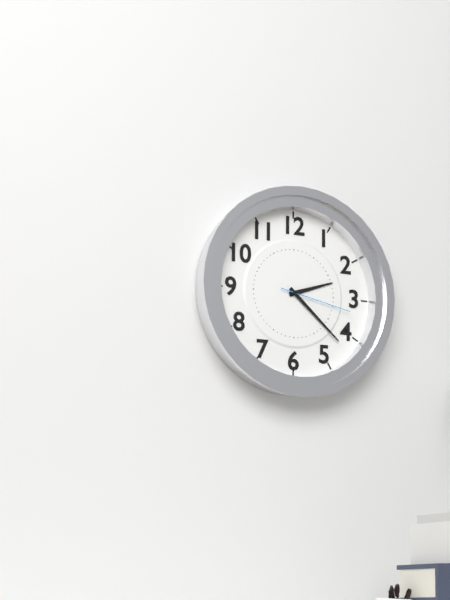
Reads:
{"hour": 2, "minute": 22, "second": 17}
